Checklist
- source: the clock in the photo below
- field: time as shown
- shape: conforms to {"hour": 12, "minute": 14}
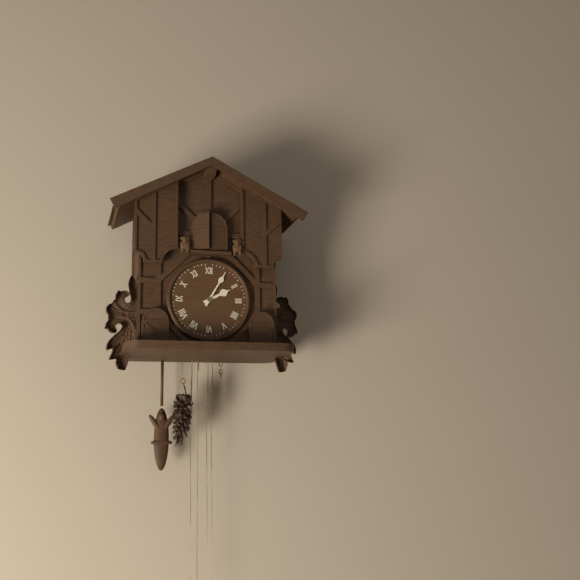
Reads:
{"hour": 2, "minute": 5}
